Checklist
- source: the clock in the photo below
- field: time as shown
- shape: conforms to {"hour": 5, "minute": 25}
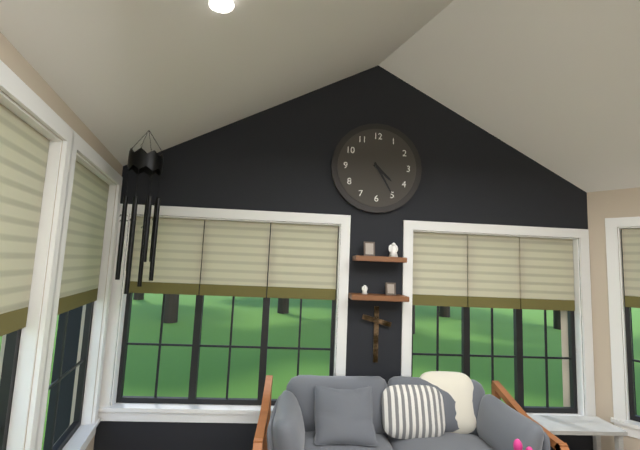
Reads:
{"hour": 4, "minute": 25}
